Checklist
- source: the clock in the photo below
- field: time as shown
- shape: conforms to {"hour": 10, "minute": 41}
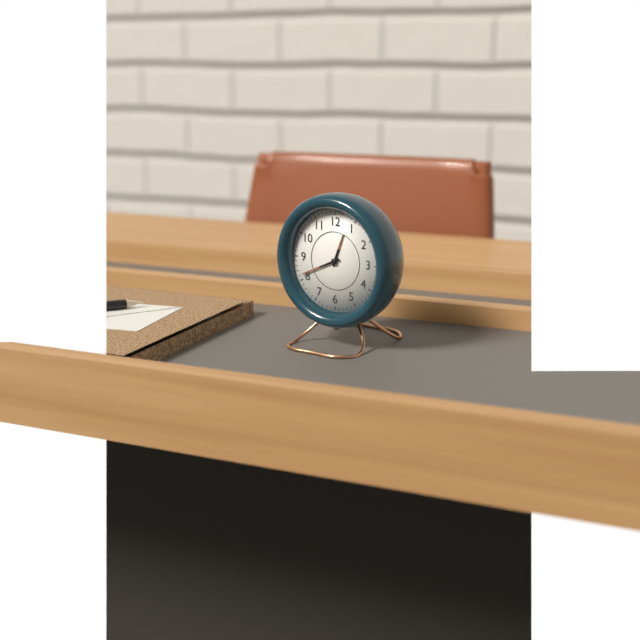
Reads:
{"hour": 12, "minute": 41}
